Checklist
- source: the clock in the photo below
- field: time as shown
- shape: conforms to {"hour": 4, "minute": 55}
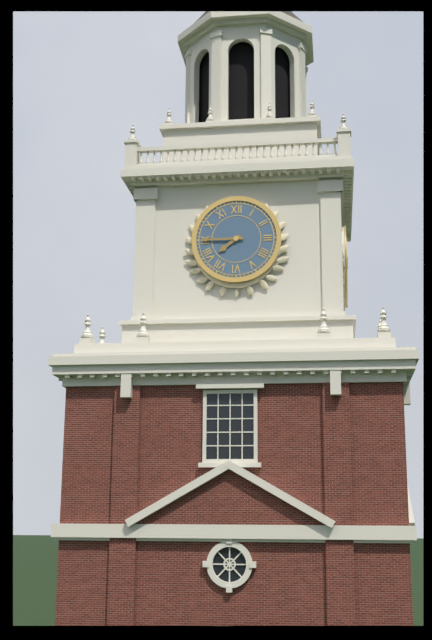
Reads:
{"hour": 7, "minute": 45}
